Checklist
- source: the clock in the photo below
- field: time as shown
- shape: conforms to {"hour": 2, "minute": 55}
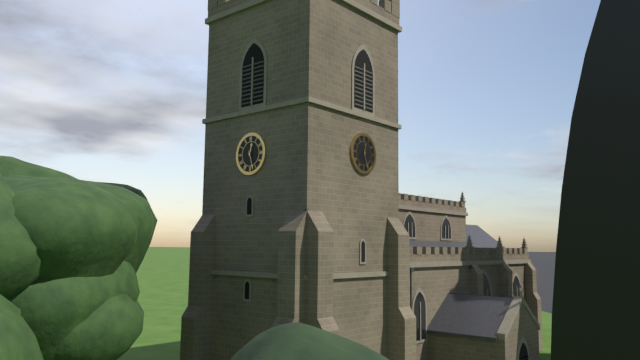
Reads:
{"hour": 12, "minute": 27}
